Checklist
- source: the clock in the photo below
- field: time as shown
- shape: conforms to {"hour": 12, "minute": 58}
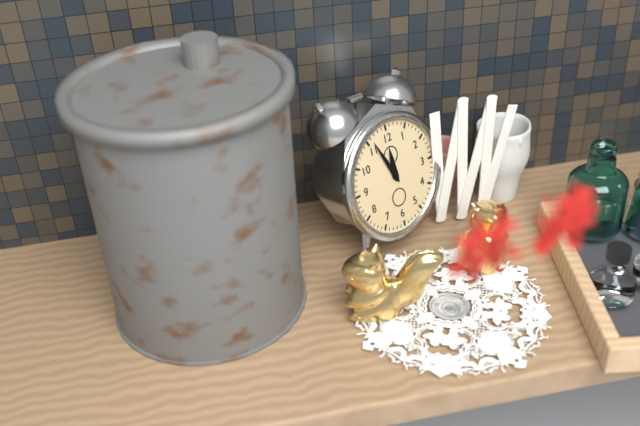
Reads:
{"hour": 11, "minute": 56}
